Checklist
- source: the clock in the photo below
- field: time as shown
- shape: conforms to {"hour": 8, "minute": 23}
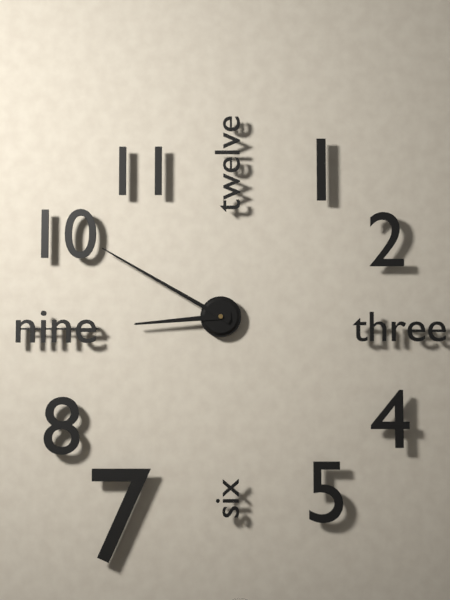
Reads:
{"hour": 8, "minute": 50}
